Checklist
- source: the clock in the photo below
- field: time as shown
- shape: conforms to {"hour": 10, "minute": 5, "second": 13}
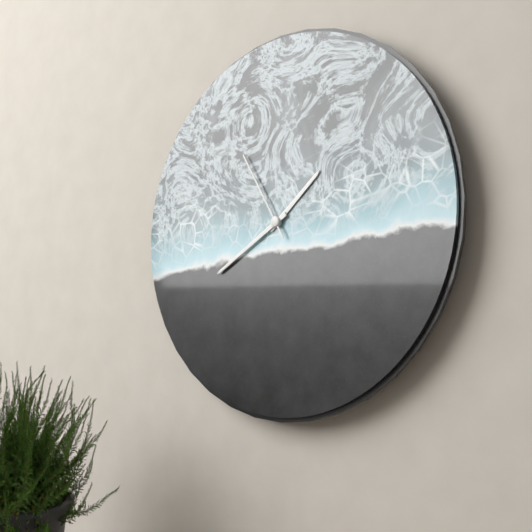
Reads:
{"hour": 1, "minute": 40, "second": 55}
